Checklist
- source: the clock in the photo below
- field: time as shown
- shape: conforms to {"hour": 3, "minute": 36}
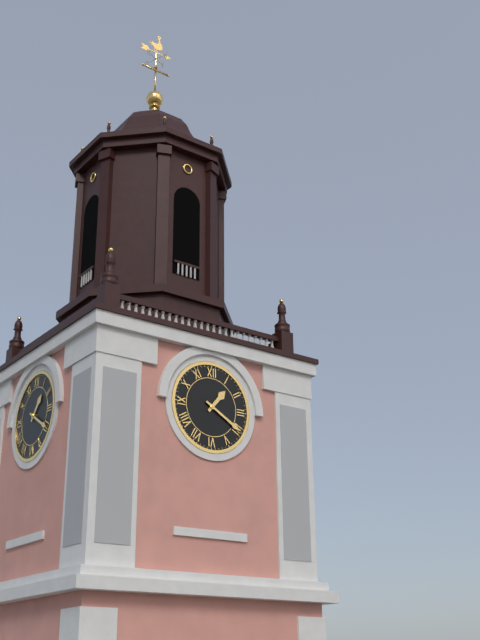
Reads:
{"hour": 1, "minute": 20}
